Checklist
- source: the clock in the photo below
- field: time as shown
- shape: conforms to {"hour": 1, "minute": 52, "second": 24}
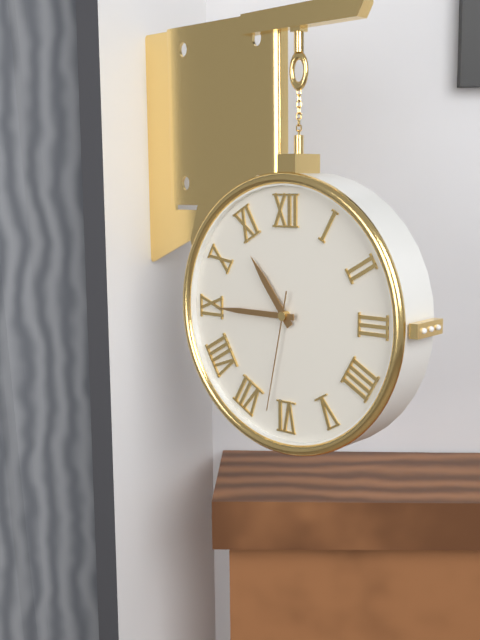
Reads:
{"hour": 10, "minute": 45, "second": 32}
